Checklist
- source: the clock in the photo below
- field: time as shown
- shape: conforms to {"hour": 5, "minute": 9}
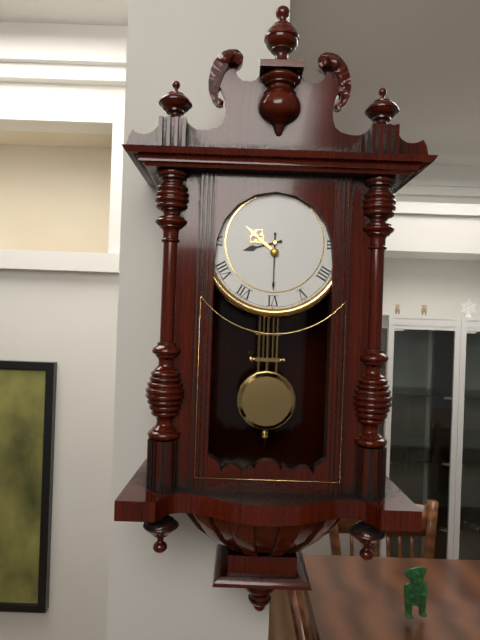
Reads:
{"hour": 8, "minute": 30}
